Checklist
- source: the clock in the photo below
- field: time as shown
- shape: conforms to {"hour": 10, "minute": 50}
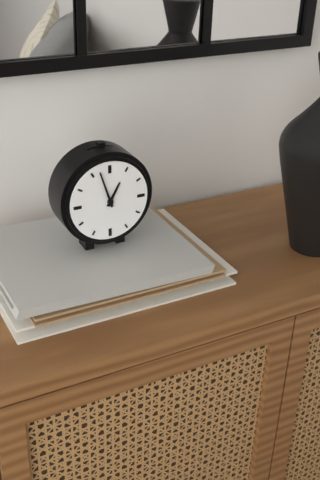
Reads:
{"hour": 12, "minute": 57}
